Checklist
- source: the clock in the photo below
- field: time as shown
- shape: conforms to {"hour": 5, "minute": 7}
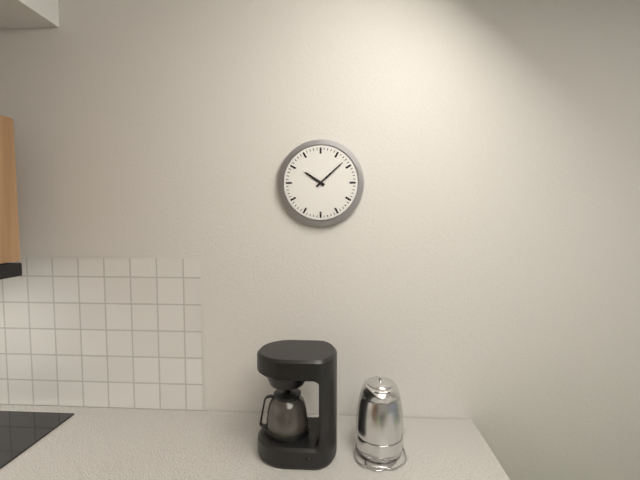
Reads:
{"hour": 10, "minute": 8}
